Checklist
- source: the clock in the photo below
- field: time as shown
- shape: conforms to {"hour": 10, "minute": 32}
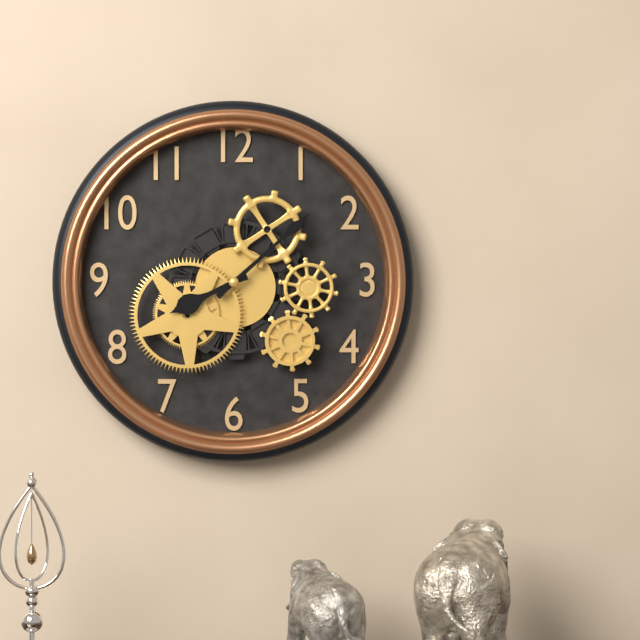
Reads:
{"hour": 8, "minute": 8}
